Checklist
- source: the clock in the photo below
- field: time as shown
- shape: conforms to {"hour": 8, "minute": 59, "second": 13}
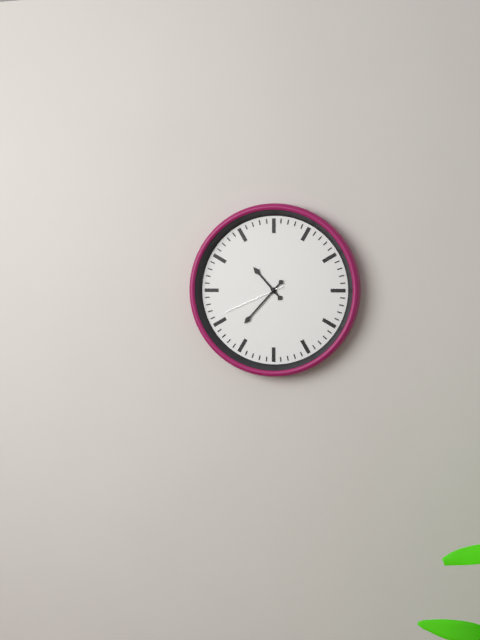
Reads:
{"hour": 10, "minute": 37, "second": 41}
